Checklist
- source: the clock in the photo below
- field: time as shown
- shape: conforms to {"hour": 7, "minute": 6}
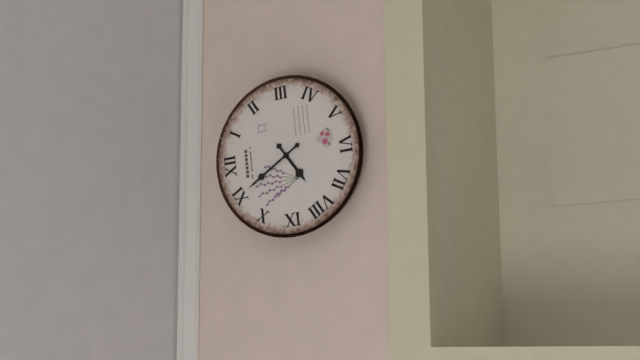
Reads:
{"hour": 7, "minute": 55}
